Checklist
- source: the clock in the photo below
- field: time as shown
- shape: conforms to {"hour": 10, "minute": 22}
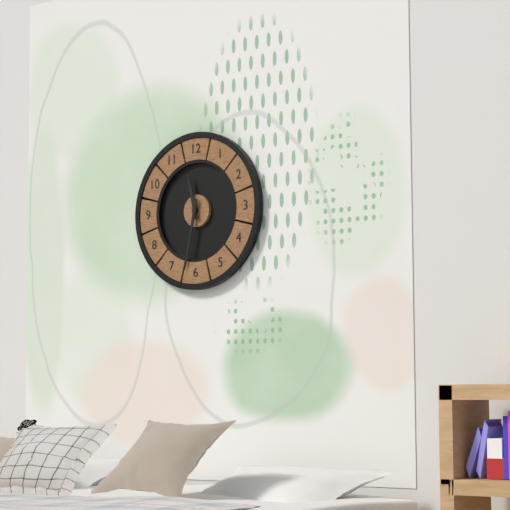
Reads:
{"hour": 11, "minute": 32}
